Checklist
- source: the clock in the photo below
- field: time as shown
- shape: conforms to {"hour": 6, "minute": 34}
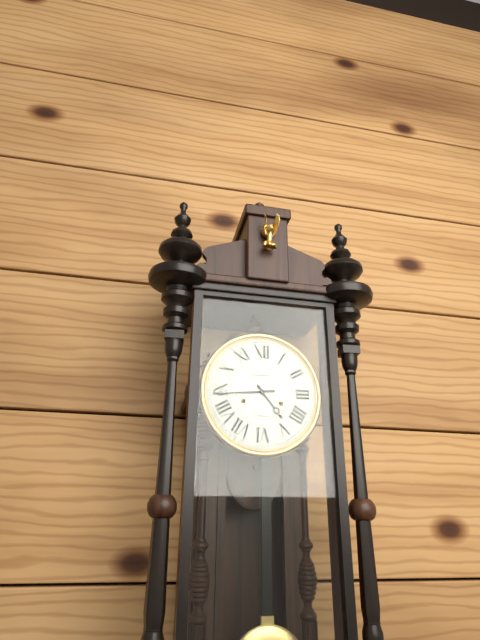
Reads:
{"hour": 4, "minute": 44}
